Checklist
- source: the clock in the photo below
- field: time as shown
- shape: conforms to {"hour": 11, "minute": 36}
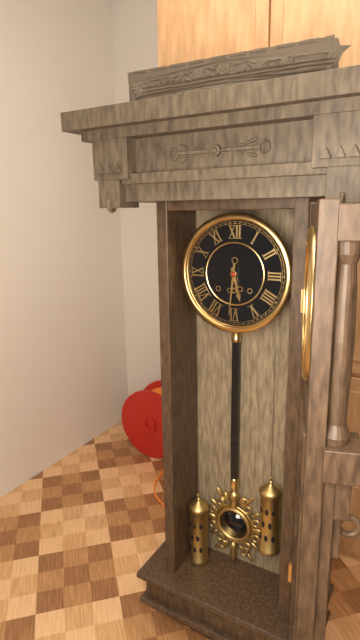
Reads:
{"hour": 5, "minute": 31}
